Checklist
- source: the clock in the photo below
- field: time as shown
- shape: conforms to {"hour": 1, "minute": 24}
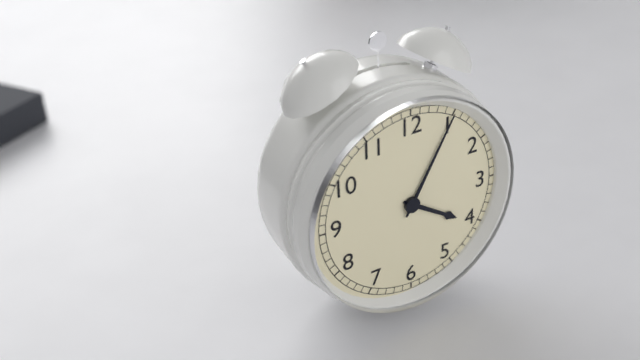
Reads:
{"hour": 4, "minute": 5}
